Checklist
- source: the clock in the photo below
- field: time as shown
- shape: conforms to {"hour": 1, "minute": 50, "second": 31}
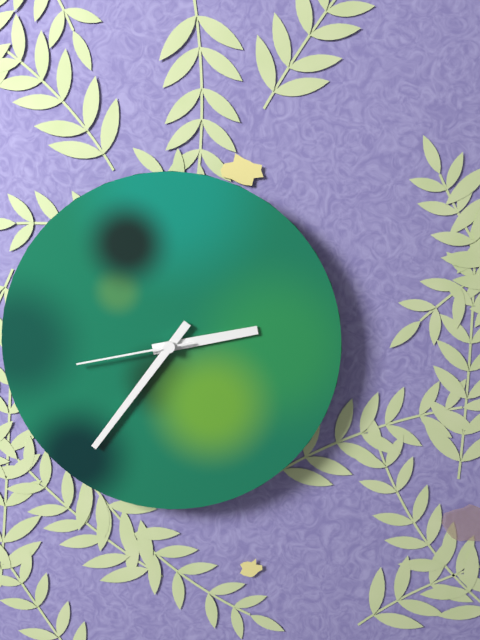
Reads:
{"hour": 2, "minute": 36, "second": 43}
